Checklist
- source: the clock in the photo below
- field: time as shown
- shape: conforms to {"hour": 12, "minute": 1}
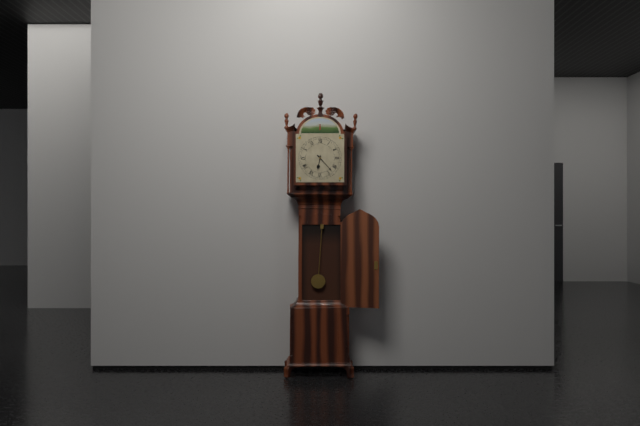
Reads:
{"hour": 6, "minute": 23}
